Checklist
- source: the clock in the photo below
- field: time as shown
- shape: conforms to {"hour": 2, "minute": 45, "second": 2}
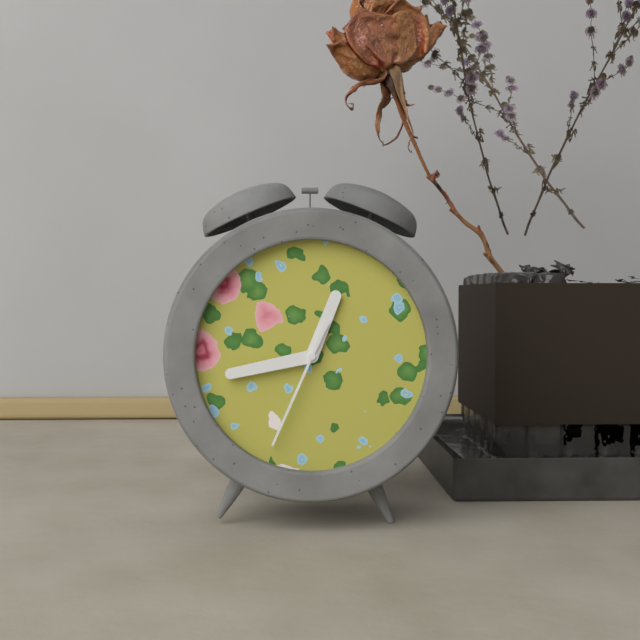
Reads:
{"hour": 12, "minute": 43, "second": 34}
